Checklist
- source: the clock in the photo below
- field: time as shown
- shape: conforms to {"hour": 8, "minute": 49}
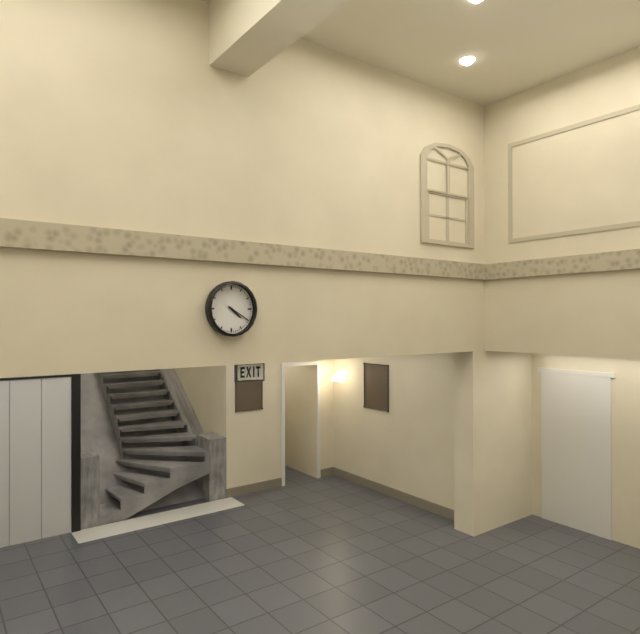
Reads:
{"hour": 4, "minute": 20}
